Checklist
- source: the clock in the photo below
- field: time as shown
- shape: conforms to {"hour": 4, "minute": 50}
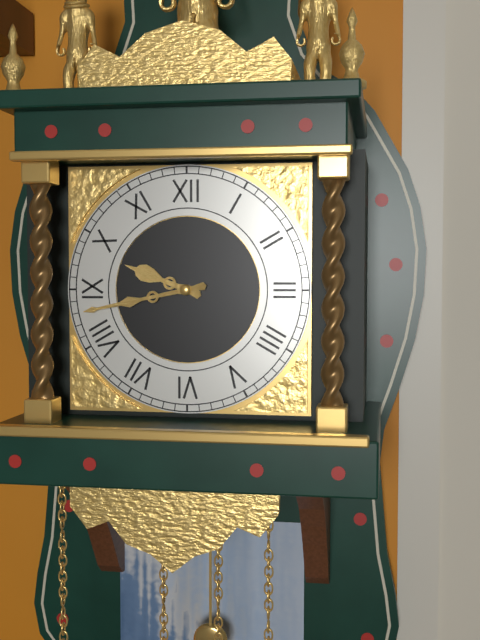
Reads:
{"hour": 9, "minute": 43}
